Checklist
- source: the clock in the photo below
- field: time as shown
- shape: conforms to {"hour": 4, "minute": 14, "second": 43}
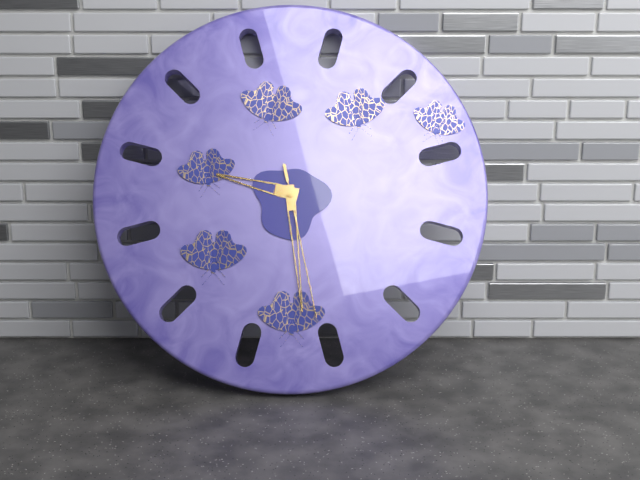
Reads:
{"hour": 9, "minute": 29, "second": 28}
